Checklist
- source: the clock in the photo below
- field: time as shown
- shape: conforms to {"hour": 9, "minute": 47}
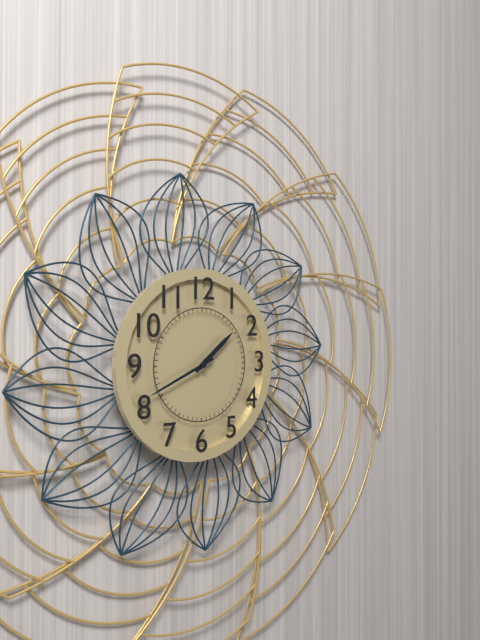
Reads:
{"hour": 1, "minute": 41}
